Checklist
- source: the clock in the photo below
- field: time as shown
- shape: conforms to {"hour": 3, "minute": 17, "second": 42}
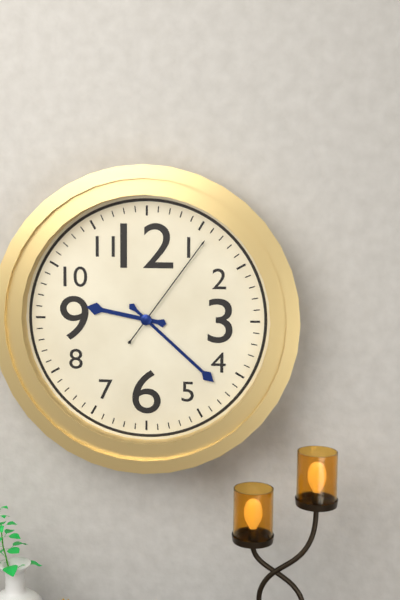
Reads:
{"hour": 9, "minute": 22, "second": 6}
